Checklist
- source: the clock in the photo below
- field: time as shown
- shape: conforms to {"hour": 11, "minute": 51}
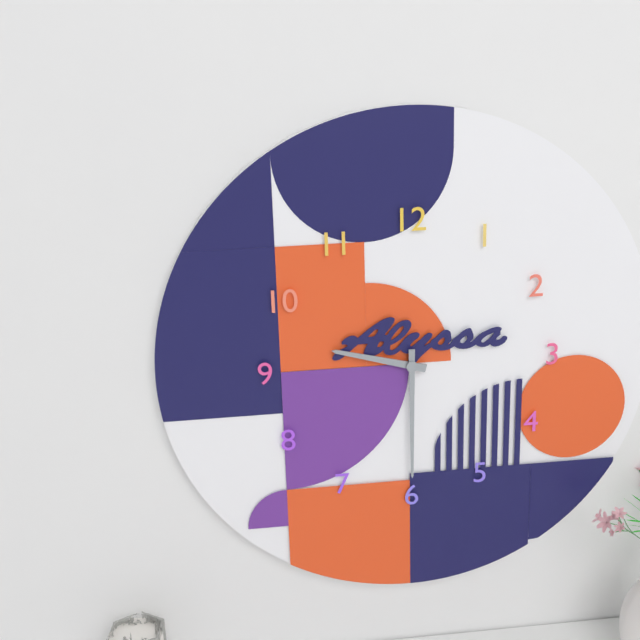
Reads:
{"hour": 9, "minute": 30}
